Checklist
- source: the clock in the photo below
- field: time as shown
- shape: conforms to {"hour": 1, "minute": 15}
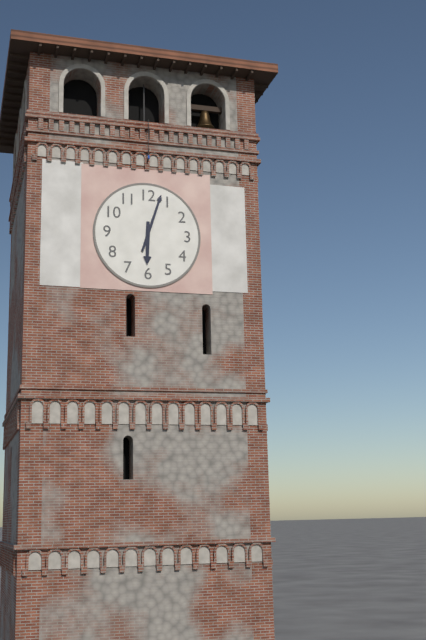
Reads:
{"hour": 6, "minute": 3}
